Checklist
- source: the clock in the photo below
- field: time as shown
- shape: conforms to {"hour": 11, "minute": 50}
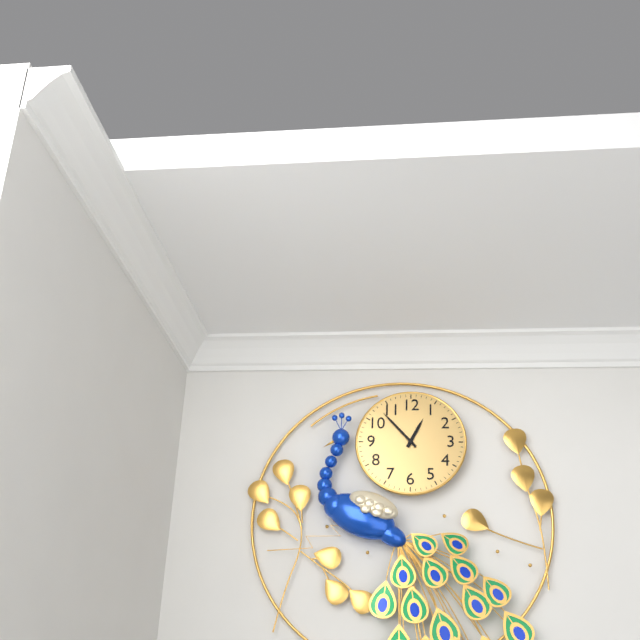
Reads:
{"hour": 12, "minute": 53}
